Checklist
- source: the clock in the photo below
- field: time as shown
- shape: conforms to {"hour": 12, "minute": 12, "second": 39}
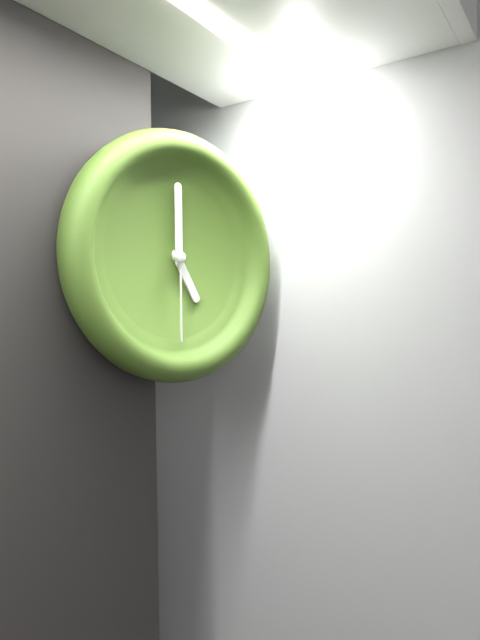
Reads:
{"hour": 5, "minute": 0, "second": 30}
